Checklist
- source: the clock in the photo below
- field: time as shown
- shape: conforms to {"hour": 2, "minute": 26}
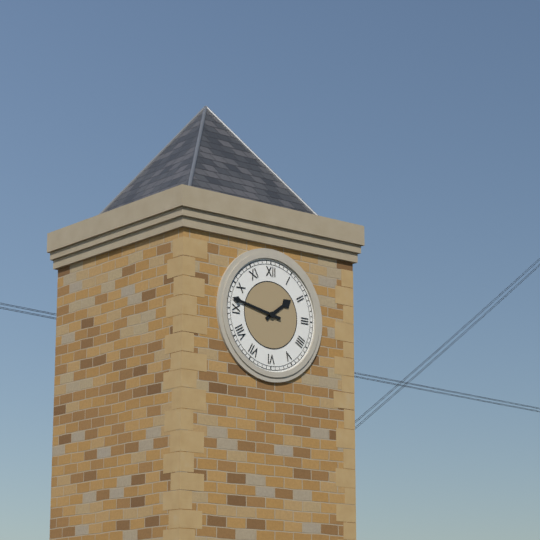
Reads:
{"hour": 1, "minute": 47}
